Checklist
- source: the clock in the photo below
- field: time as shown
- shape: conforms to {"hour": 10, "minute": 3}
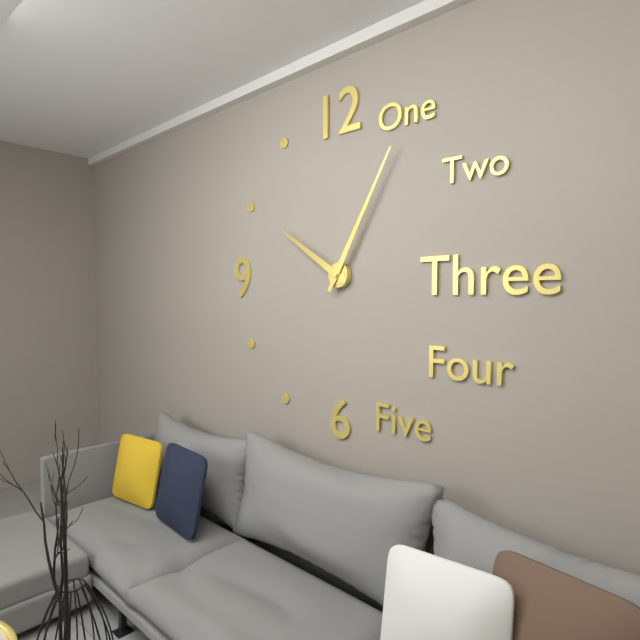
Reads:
{"hour": 10, "minute": 5}
